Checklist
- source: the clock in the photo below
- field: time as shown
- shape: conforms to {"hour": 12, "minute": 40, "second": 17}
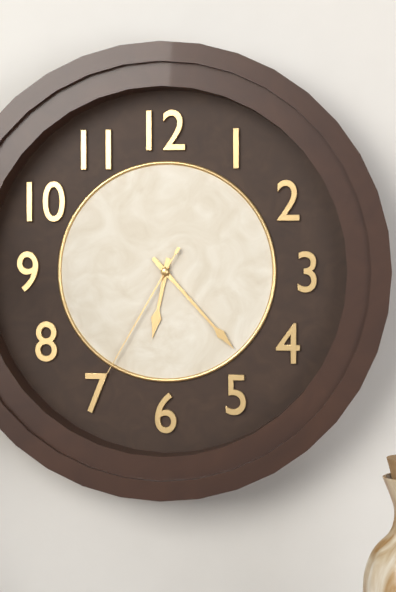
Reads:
{"hour": 6, "minute": 23, "second": 35}
